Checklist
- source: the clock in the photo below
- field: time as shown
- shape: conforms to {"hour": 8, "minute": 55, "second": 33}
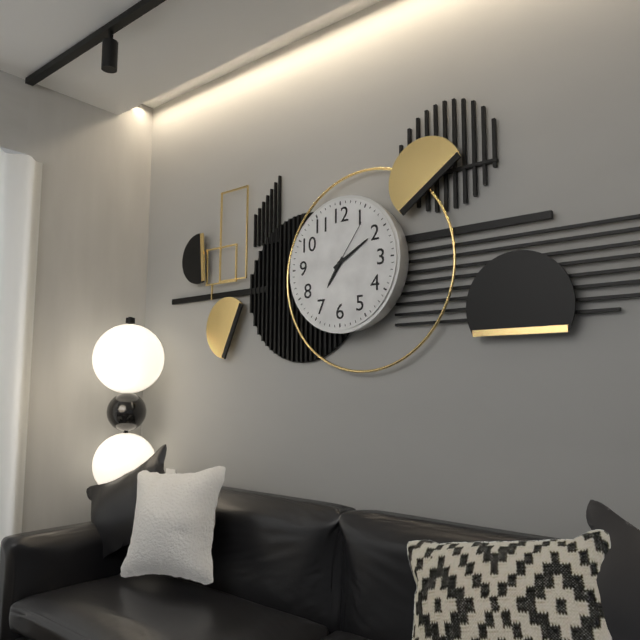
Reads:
{"hour": 7, "minute": 10, "second": 6}
